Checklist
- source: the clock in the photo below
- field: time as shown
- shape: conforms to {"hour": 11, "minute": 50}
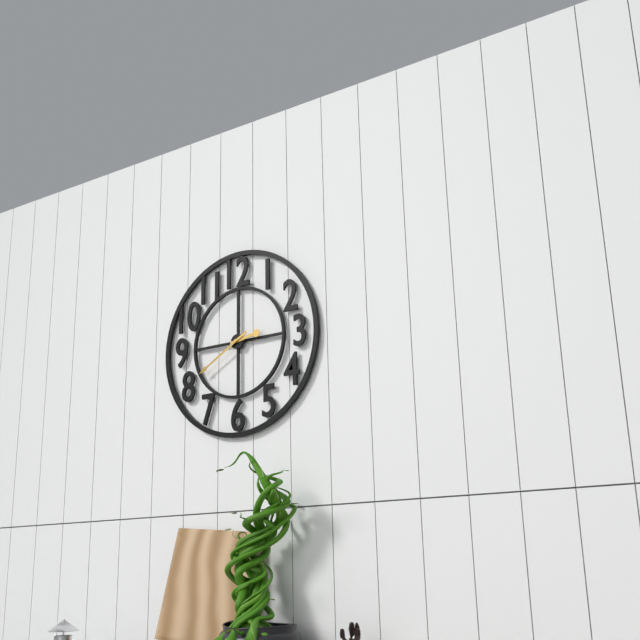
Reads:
{"hour": 2, "minute": 40}
